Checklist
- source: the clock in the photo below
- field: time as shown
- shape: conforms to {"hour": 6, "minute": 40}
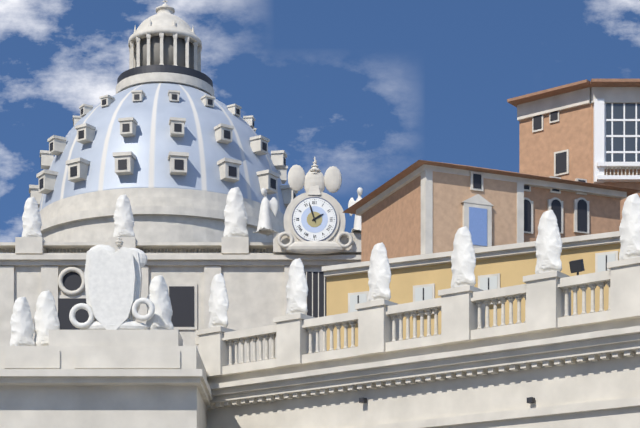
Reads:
{"hour": 1, "minute": 57}
